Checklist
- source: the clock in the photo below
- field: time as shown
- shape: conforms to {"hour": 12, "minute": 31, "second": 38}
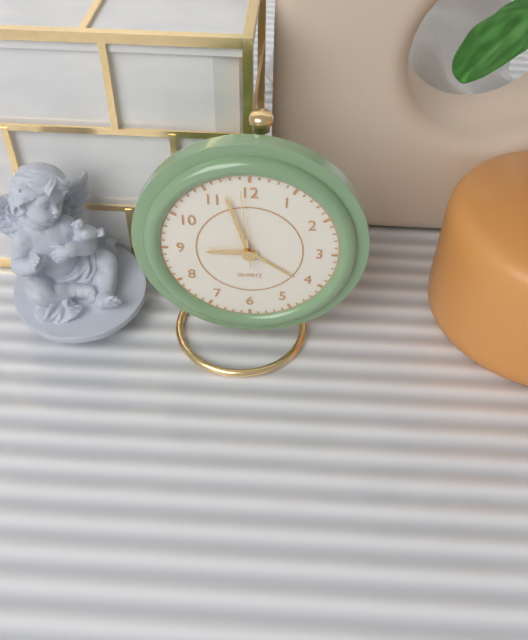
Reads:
{"hour": 8, "minute": 57, "second": 59}
